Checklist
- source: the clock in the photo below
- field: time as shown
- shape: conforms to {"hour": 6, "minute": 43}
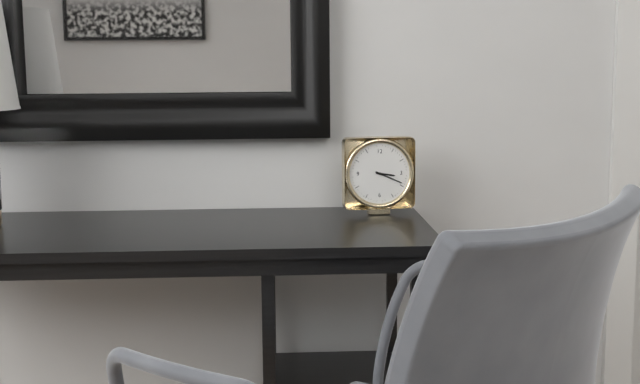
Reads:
{"hour": 3, "minute": 19}
